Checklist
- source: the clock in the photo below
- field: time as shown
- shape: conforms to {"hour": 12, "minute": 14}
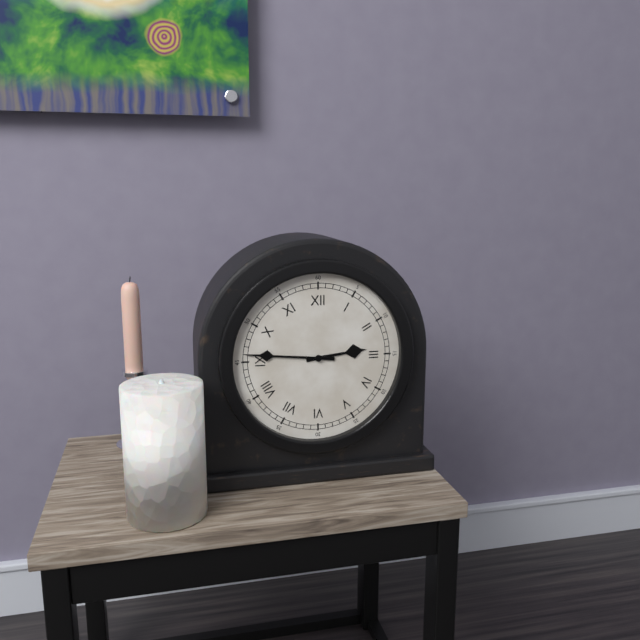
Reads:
{"hour": 2, "minute": 46}
